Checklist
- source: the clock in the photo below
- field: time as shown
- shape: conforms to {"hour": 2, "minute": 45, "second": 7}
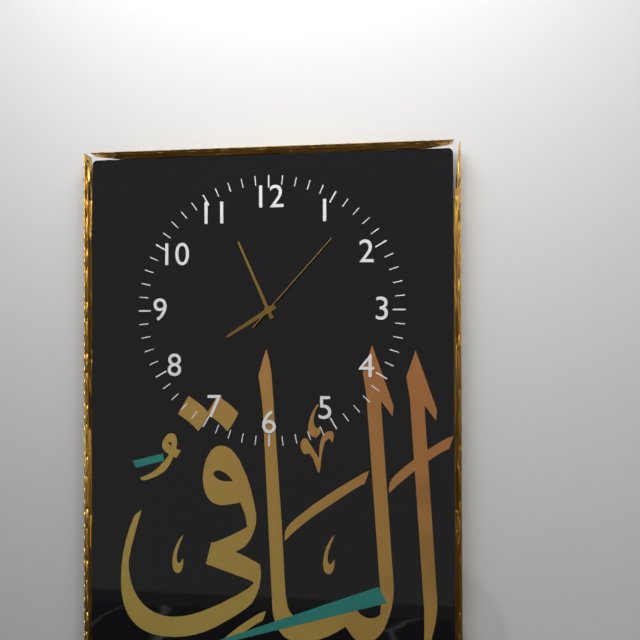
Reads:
{"hour": 7, "minute": 56, "second": 7}
